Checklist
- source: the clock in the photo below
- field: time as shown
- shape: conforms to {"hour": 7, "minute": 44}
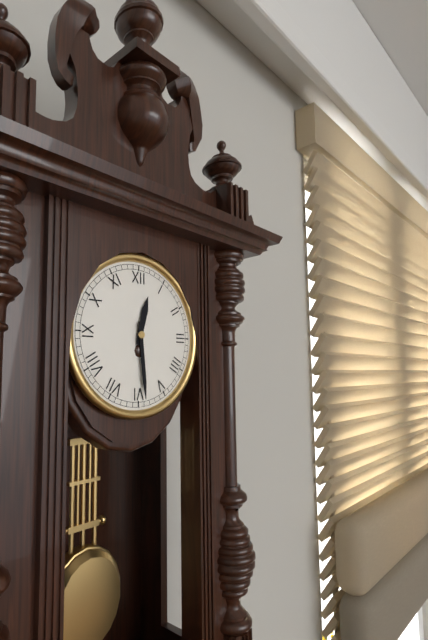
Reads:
{"hour": 12, "minute": 29}
